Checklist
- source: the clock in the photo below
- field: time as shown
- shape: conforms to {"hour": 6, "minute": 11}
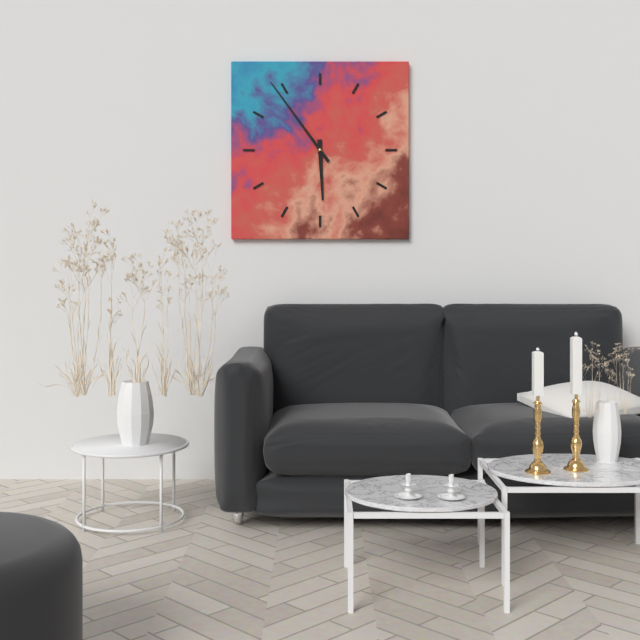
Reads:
{"hour": 5, "minute": 54}
